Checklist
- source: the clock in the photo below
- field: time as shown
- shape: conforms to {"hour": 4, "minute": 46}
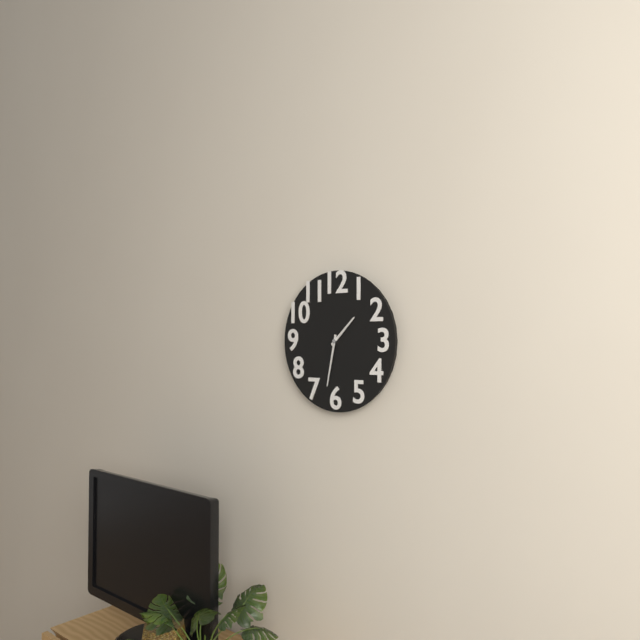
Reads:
{"hour": 1, "minute": 32}
